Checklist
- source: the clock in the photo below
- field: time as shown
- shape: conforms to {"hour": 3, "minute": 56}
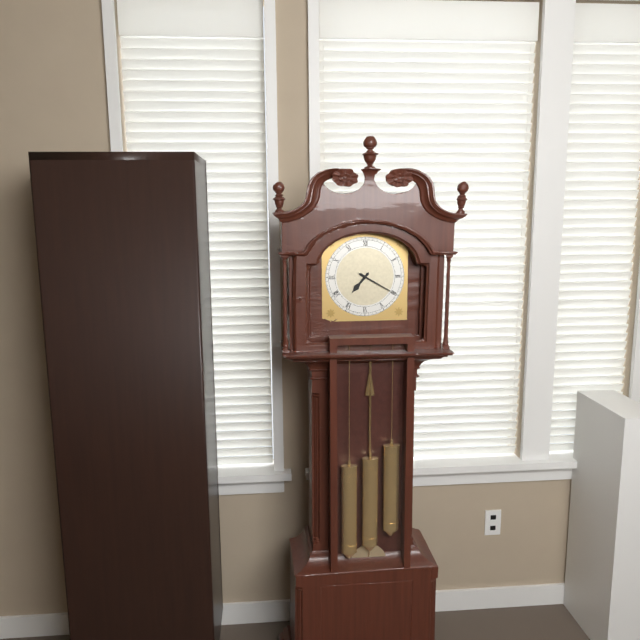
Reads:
{"hour": 7, "minute": 20}
